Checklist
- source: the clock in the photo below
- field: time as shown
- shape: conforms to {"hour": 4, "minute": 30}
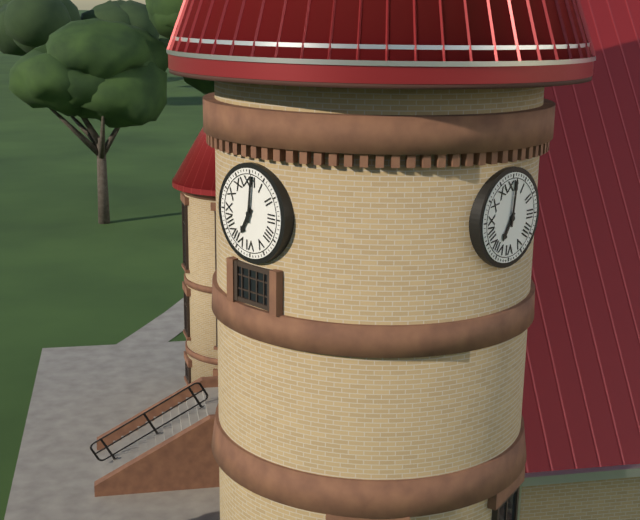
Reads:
{"hour": 7, "minute": 1}
